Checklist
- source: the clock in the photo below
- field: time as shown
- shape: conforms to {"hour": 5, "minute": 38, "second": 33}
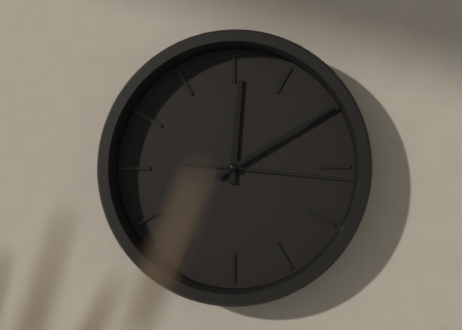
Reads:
{"hour": 12, "minute": 10, "second": 16}
